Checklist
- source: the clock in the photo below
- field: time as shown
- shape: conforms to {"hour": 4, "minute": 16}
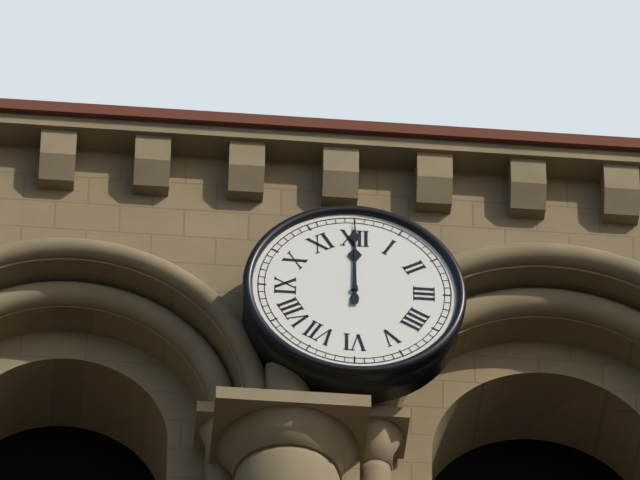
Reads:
{"hour": 12, "minute": 0}
